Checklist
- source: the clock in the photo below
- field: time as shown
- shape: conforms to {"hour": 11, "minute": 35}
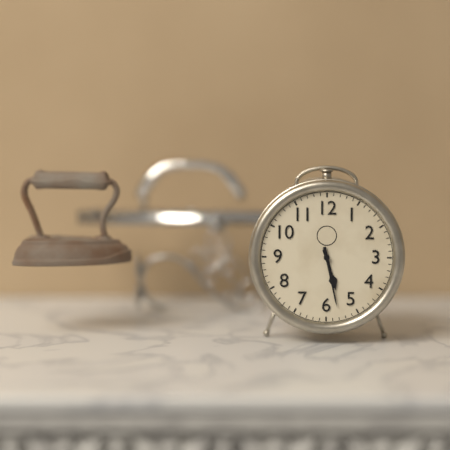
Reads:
{"hour": 5, "minute": 28}
